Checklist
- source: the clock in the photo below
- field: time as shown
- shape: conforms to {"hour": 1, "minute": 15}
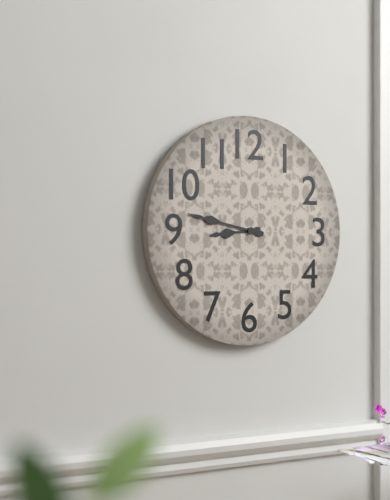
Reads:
{"hour": 8, "minute": 47}
